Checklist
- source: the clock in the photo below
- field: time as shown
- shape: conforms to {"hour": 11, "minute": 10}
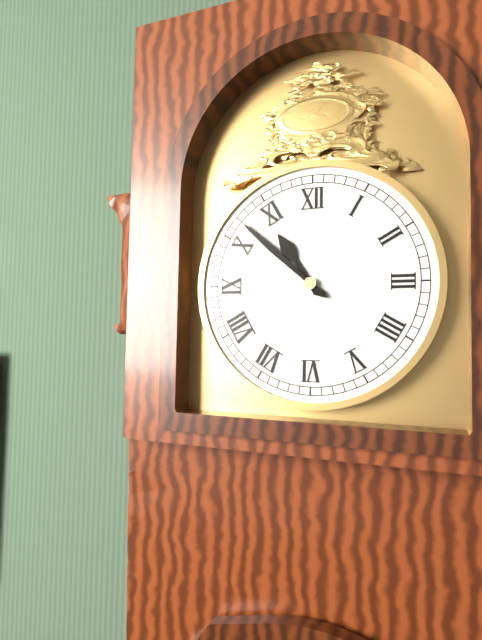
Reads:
{"hour": 10, "minute": 52}
